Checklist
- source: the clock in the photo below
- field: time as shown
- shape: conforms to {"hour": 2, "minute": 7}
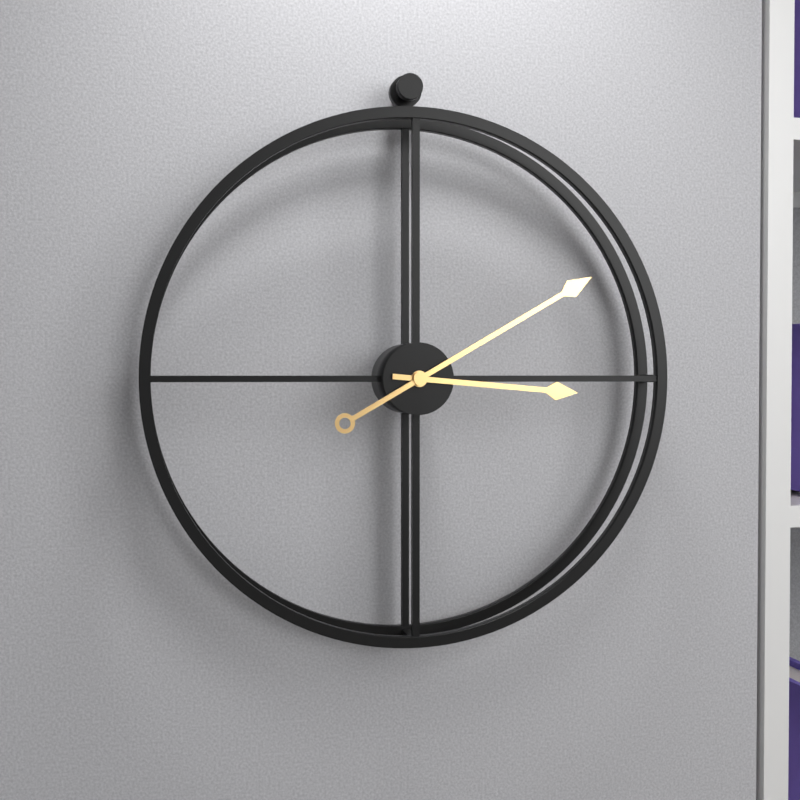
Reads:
{"hour": 3, "minute": 10}
